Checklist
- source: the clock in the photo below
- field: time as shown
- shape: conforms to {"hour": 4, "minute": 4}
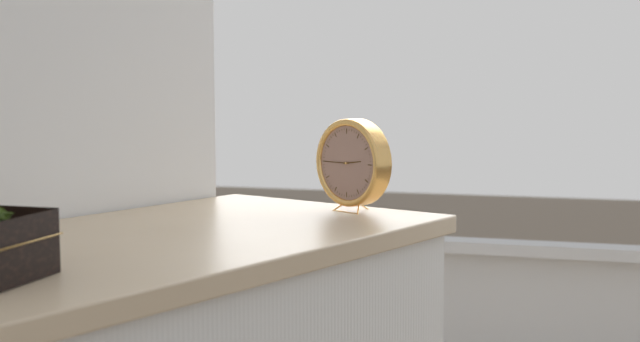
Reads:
{"hour": 2, "minute": 45}
